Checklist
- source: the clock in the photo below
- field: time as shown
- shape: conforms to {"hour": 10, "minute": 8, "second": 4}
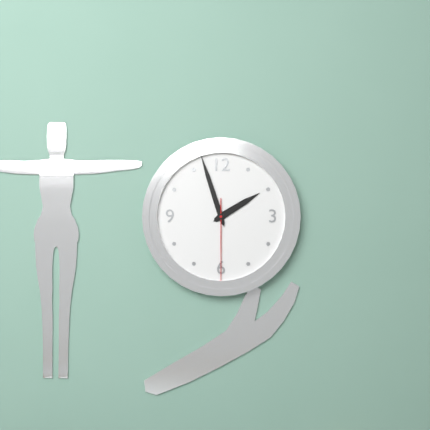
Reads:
{"hour": 1, "minute": 57, "second": 30}
